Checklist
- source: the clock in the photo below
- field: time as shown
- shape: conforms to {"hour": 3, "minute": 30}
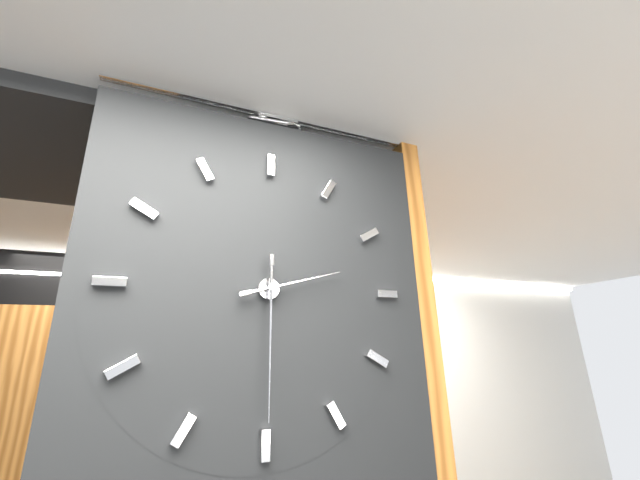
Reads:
{"hour": 2, "minute": 30}
